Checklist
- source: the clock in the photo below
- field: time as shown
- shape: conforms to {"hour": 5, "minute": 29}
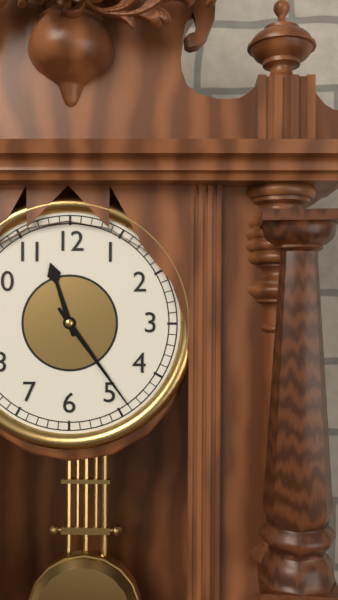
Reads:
{"hour": 11, "minute": 24}
